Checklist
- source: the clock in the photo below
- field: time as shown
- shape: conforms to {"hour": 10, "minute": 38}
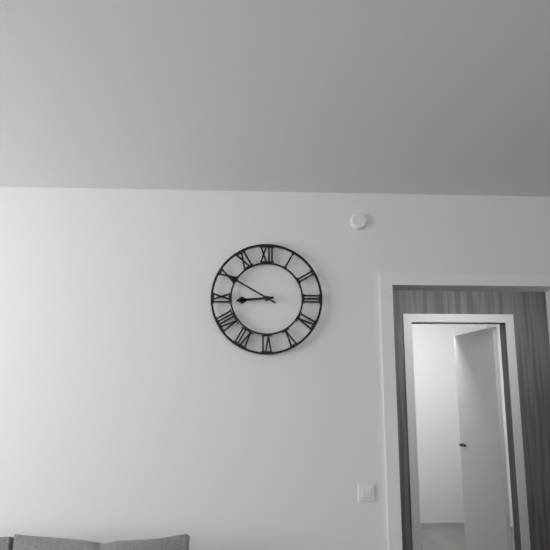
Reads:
{"hour": 8, "minute": 50}
